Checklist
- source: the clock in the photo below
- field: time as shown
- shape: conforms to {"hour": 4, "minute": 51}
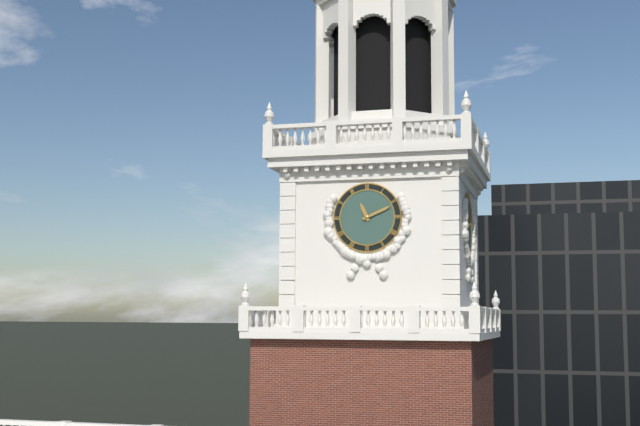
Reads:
{"hour": 11, "minute": 11}
